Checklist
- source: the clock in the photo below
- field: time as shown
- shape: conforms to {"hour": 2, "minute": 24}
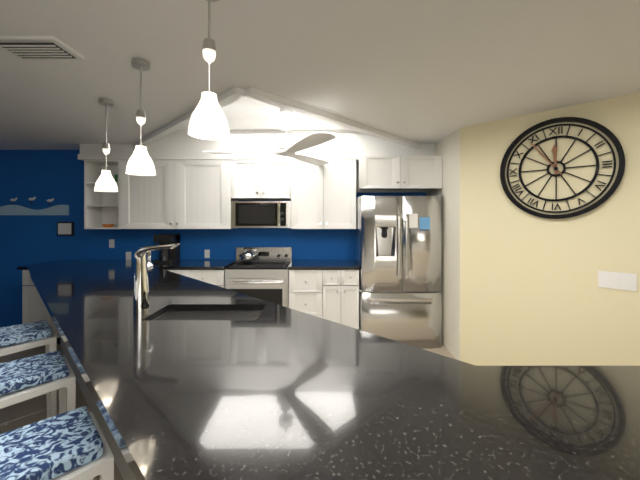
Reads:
{"hour": 11, "minute": 54}
